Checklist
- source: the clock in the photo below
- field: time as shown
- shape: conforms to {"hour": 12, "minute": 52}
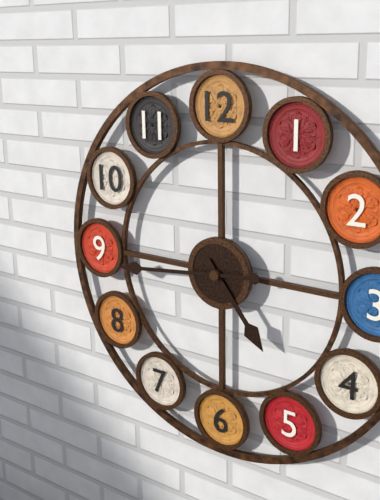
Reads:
{"hour": 4, "minute": 44}
